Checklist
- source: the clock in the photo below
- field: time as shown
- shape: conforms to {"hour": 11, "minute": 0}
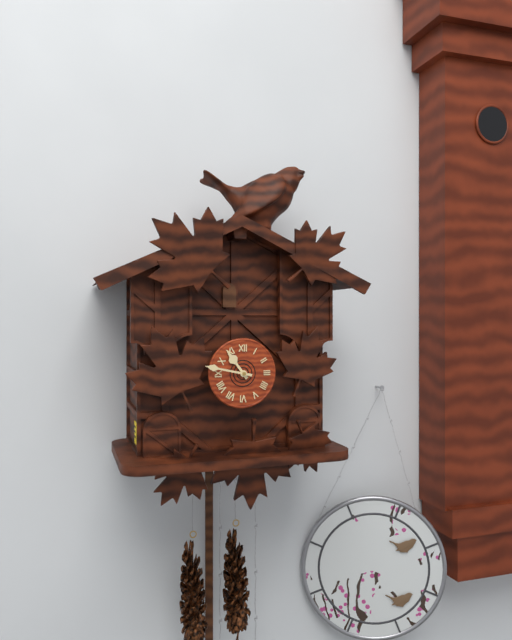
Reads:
{"hour": 10, "minute": 47}
